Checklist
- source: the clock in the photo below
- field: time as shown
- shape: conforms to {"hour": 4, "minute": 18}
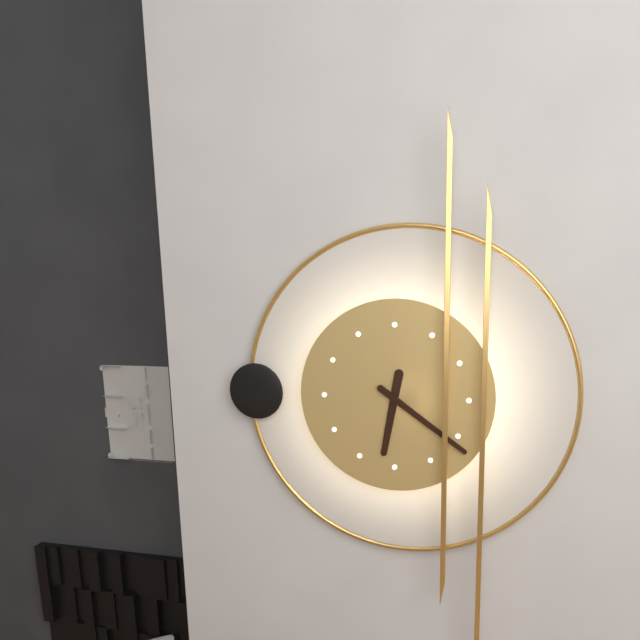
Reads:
{"hour": 6, "minute": 21}
